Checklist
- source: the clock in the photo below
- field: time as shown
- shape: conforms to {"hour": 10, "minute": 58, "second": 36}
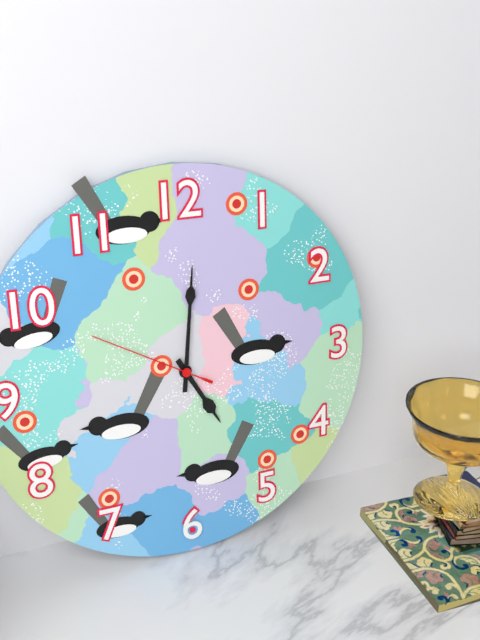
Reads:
{"hour": 5, "minute": 1, "second": 50}
